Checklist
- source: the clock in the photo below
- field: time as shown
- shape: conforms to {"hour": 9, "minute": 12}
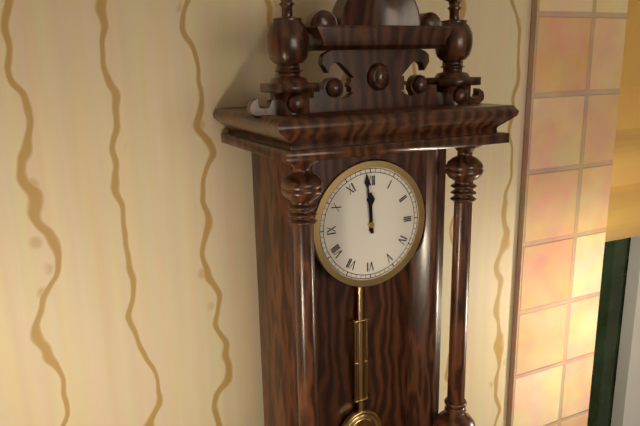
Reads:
{"hour": 11, "minute": 59}
